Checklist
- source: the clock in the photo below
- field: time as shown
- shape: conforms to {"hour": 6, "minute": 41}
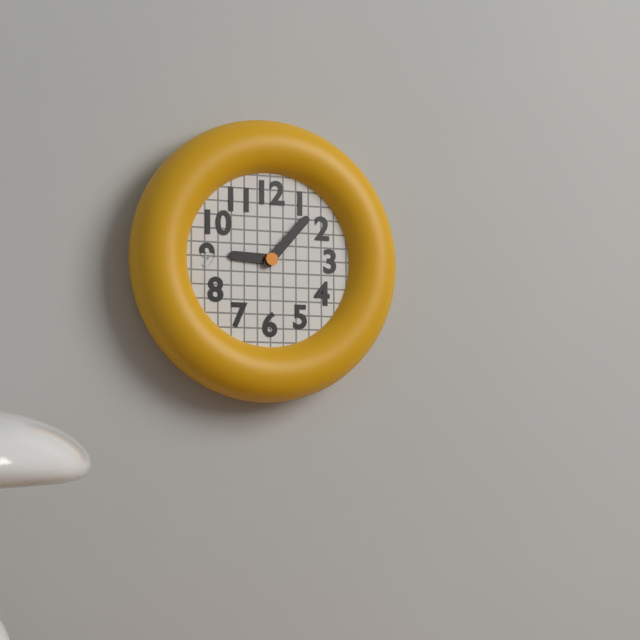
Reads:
{"hour": 9, "minute": 7}
